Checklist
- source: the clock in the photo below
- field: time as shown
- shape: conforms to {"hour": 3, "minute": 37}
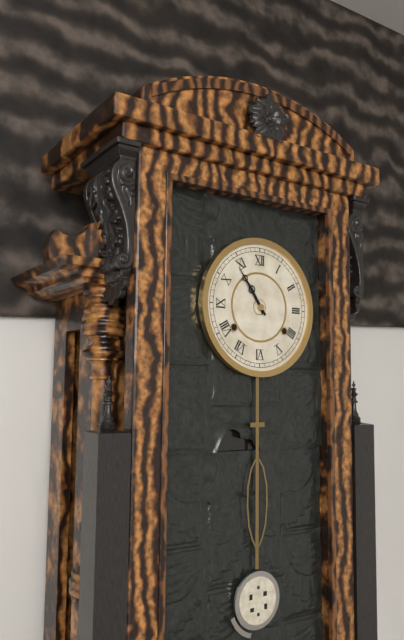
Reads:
{"hour": 10, "minute": 54}
